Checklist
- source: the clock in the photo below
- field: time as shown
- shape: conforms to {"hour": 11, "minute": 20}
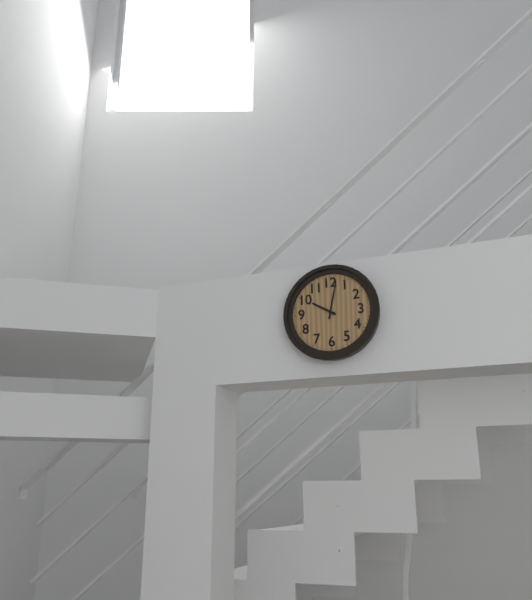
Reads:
{"hour": 10, "minute": 2}
